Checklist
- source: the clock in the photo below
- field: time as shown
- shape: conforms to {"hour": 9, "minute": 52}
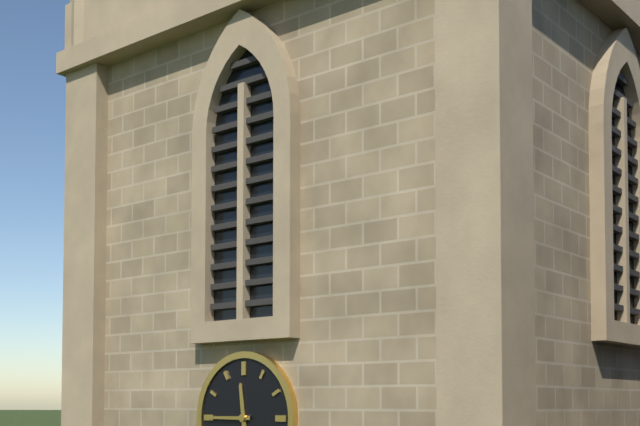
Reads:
{"hour": 11, "minute": 45}
